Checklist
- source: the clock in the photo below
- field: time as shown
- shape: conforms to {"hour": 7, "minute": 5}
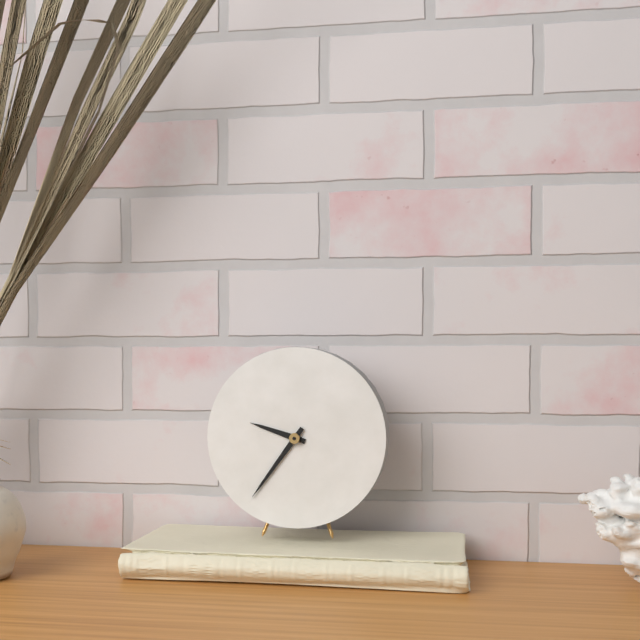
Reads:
{"hour": 9, "minute": 36}
